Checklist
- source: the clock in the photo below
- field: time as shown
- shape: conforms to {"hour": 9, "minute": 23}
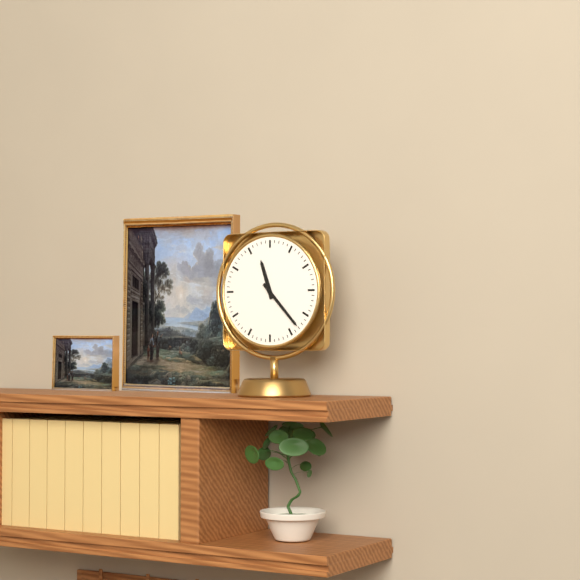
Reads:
{"hour": 11, "minute": 23}
